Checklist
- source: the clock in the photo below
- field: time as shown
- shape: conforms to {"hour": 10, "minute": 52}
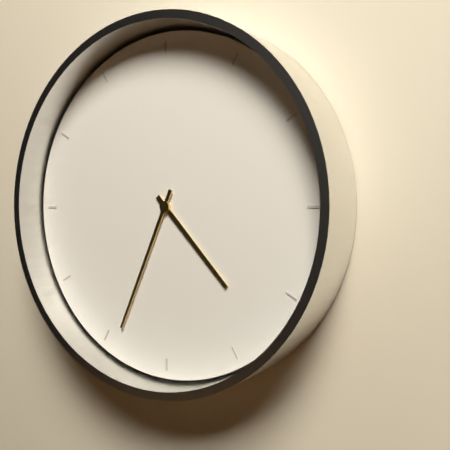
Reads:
{"hour": 4, "minute": 34}
